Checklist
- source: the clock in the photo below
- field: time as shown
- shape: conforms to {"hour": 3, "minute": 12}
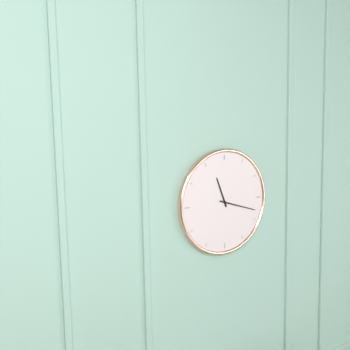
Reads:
{"hour": 11, "minute": 18}
